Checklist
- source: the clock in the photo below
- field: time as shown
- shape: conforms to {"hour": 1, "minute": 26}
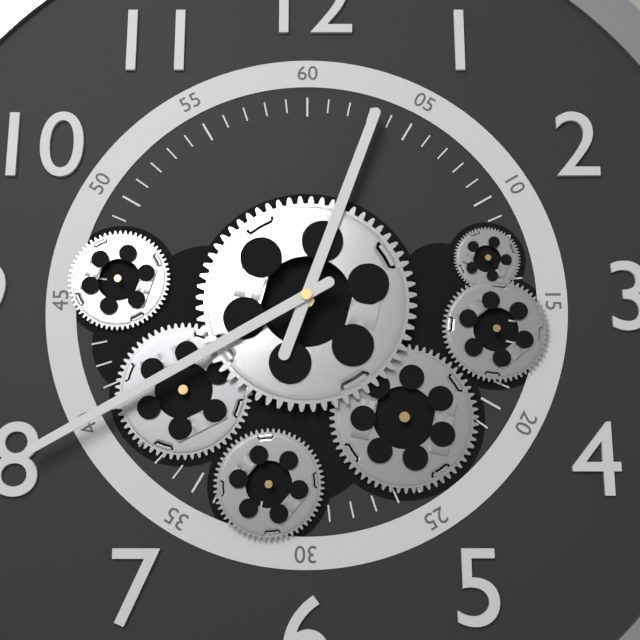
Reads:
{"hour": 12, "minute": 40}
